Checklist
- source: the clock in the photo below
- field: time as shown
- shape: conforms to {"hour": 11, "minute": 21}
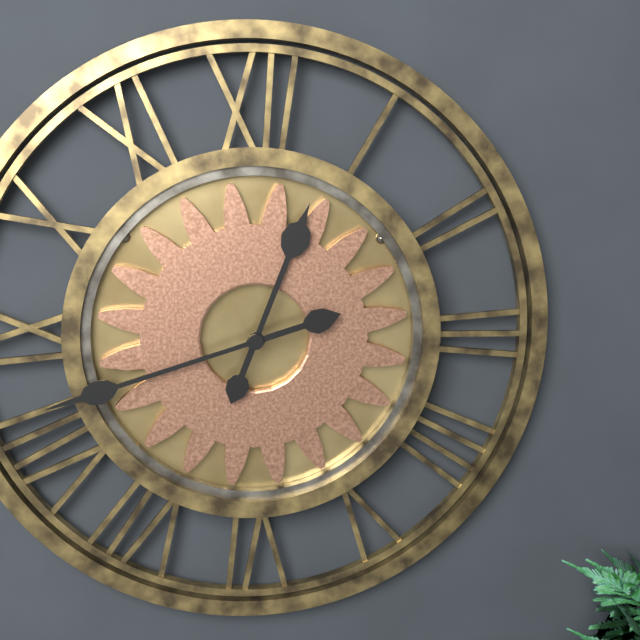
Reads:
{"hour": 12, "minute": 42}
